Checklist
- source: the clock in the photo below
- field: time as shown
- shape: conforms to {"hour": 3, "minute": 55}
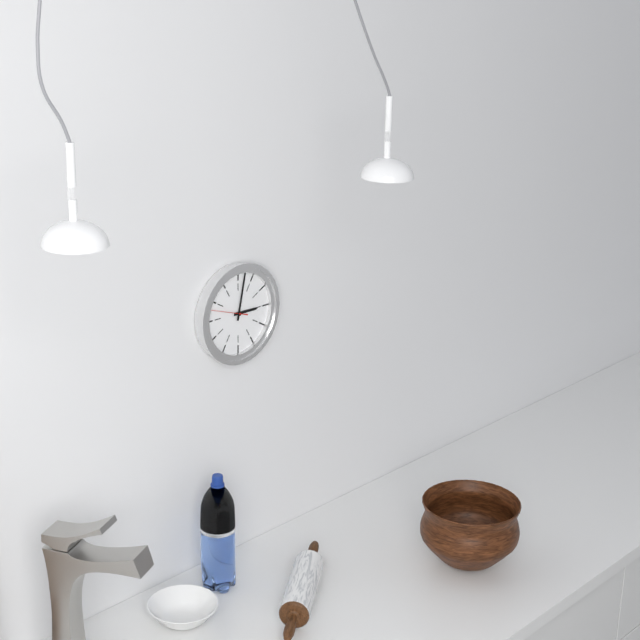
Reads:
{"hour": 3, "minute": 2}
